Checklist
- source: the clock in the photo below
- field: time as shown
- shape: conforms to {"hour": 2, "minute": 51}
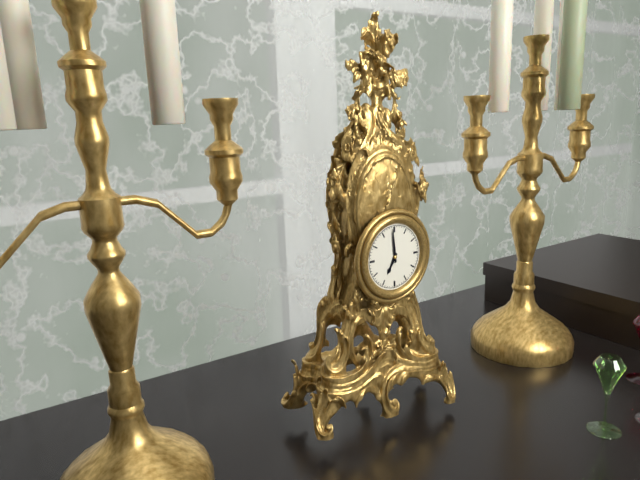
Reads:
{"hour": 6, "minute": 59}
